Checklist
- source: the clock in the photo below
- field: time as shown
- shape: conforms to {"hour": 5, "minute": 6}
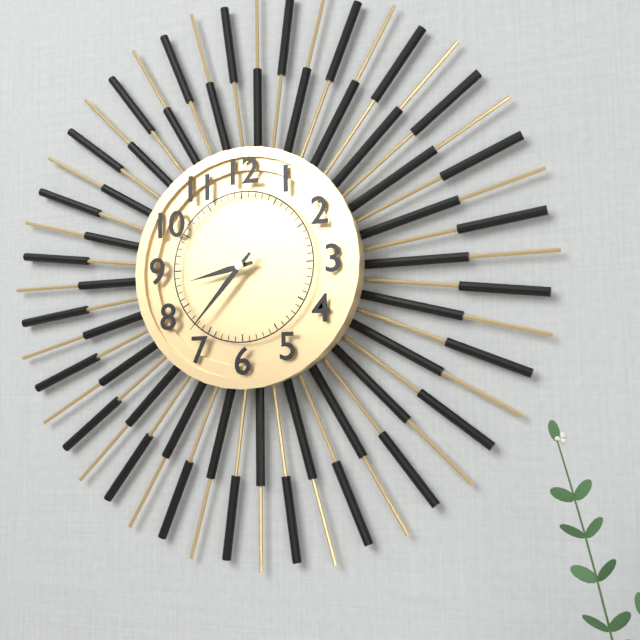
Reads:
{"hour": 8, "minute": 37}
